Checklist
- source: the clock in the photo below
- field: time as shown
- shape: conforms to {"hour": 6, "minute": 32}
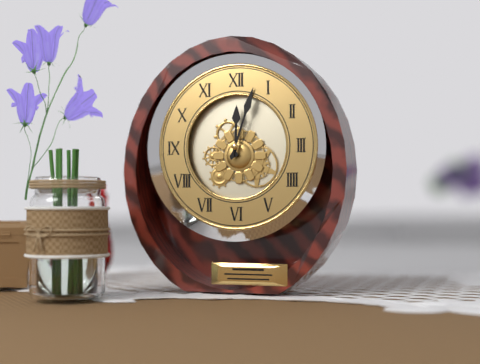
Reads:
{"hour": 12, "minute": 3}
